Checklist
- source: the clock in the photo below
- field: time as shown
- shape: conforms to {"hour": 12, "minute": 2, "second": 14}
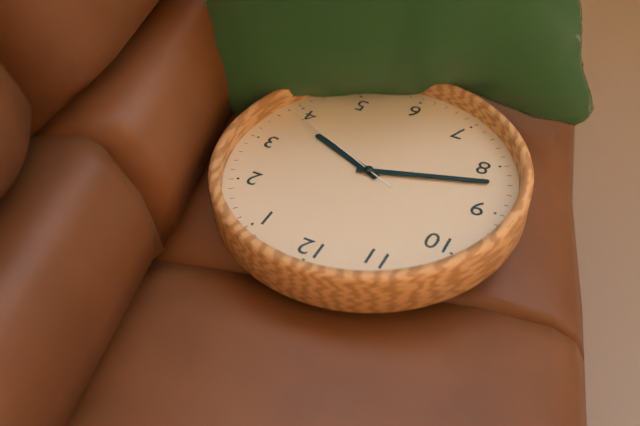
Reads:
{"hour": 3, "minute": 42, "second": 19}
